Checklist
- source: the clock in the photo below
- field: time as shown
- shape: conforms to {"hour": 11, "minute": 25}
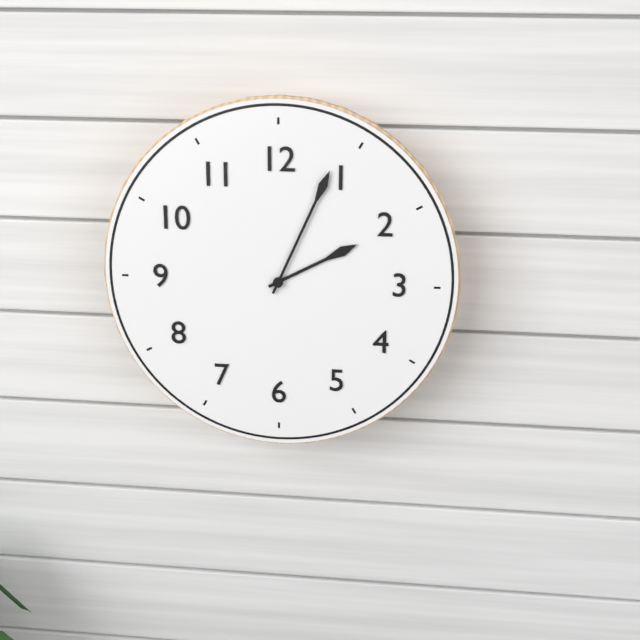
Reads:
{"hour": 2, "minute": 4}
